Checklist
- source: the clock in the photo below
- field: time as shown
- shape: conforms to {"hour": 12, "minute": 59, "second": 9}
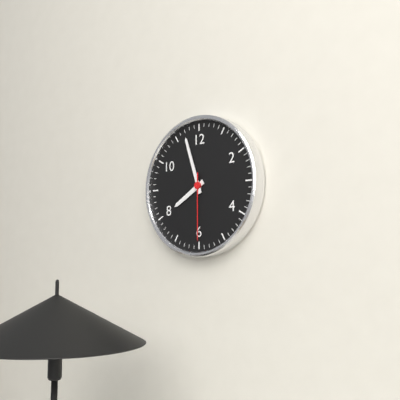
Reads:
{"hour": 7, "minute": 57, "second": 30}
